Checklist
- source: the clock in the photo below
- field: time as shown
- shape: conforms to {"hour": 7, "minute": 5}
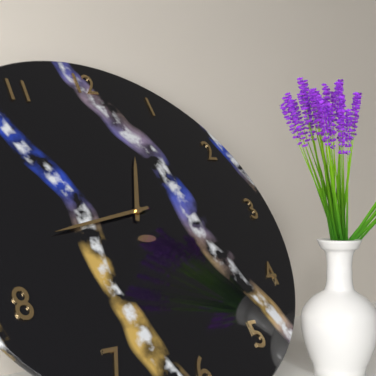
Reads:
{"hour": 12, "minute": 43}
